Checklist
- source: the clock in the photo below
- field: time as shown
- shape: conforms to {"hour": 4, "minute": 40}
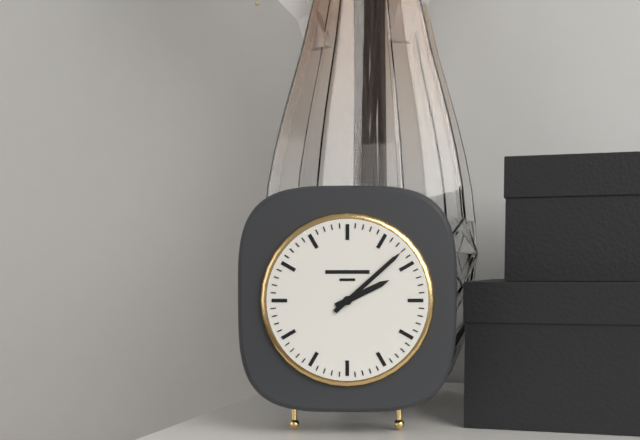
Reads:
{"hour": 2, "minute": 8}
